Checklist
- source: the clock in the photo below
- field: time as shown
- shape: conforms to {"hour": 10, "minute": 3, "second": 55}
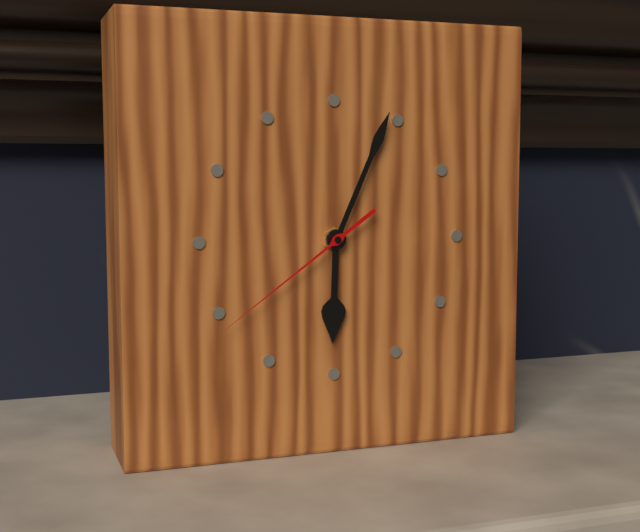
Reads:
{"hour": 6, "minute": 4, "second": 39}
